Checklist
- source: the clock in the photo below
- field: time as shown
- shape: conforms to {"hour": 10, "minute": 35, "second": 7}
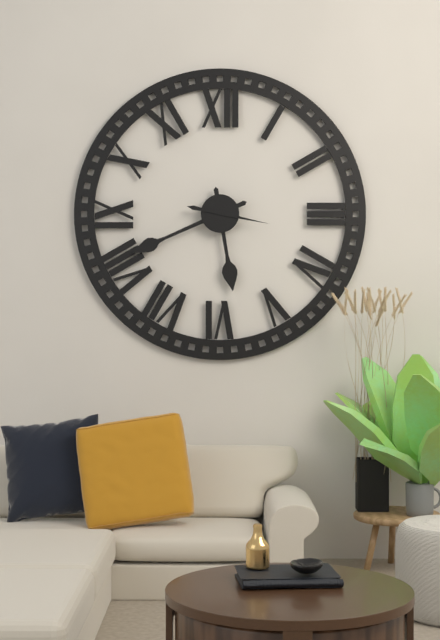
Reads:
{"hour": 5, "minute": 41, "second": 17}
